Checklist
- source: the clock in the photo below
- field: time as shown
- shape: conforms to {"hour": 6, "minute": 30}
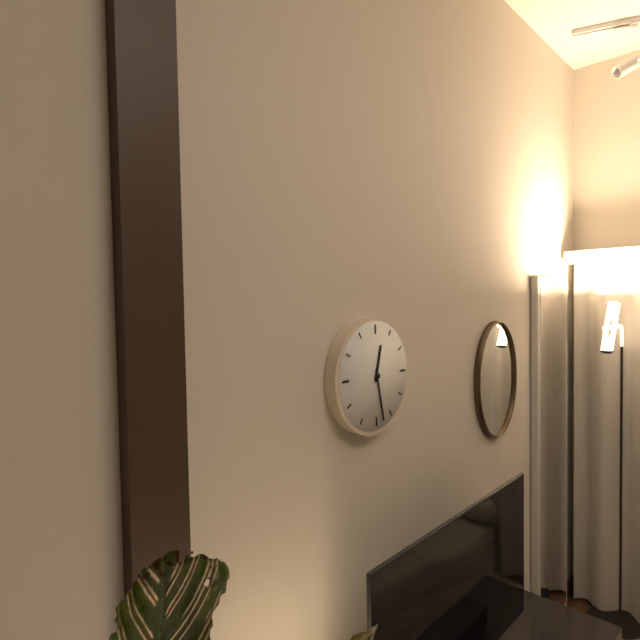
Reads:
{"hour": 12, "minute": 28}
